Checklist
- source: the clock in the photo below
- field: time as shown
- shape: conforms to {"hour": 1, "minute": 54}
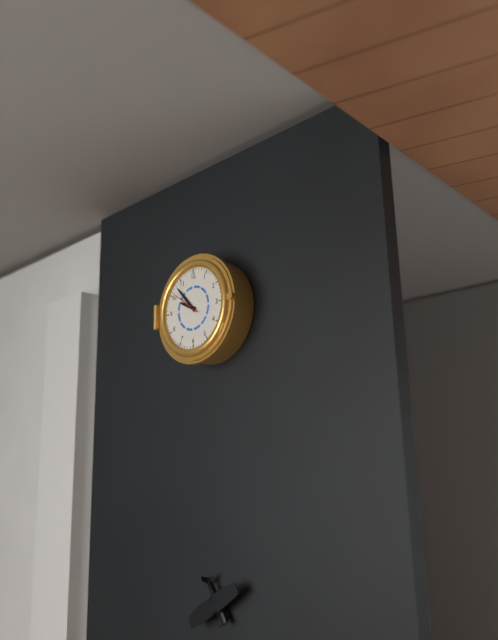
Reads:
{"hour": 9, "minute": 53}
